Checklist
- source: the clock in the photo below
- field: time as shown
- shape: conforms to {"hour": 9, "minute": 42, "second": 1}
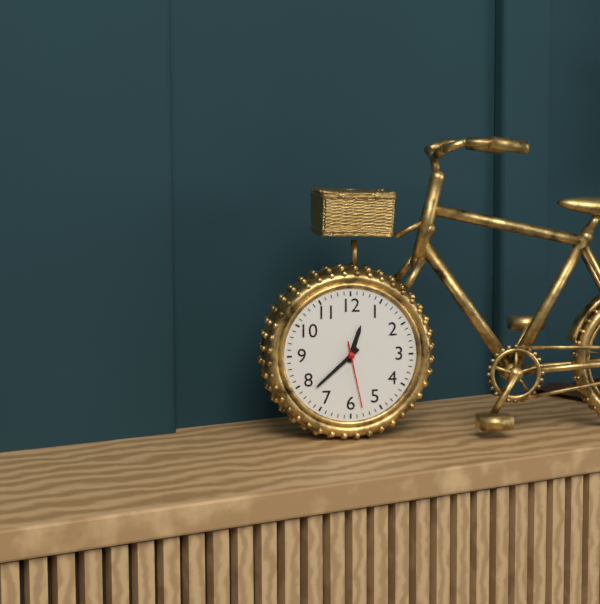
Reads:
{"hour": 12, "minute": 38, "second": 28}
